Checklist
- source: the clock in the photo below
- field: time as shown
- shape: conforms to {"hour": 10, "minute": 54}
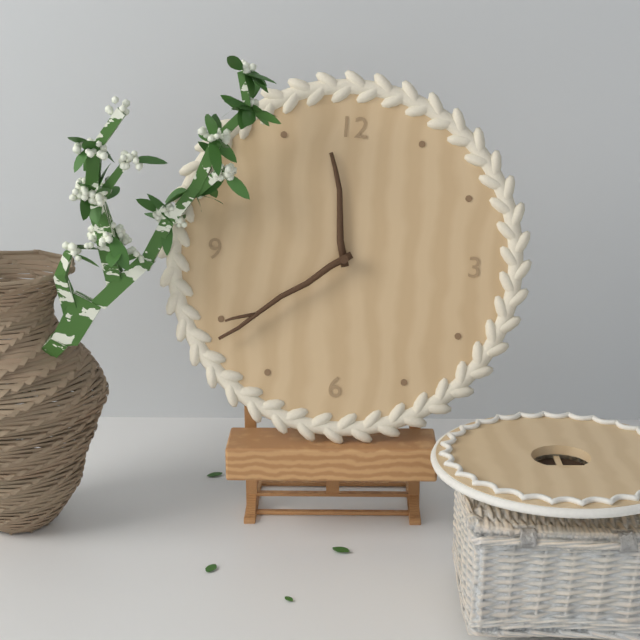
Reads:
{"hour": 11, "minute": 39}
